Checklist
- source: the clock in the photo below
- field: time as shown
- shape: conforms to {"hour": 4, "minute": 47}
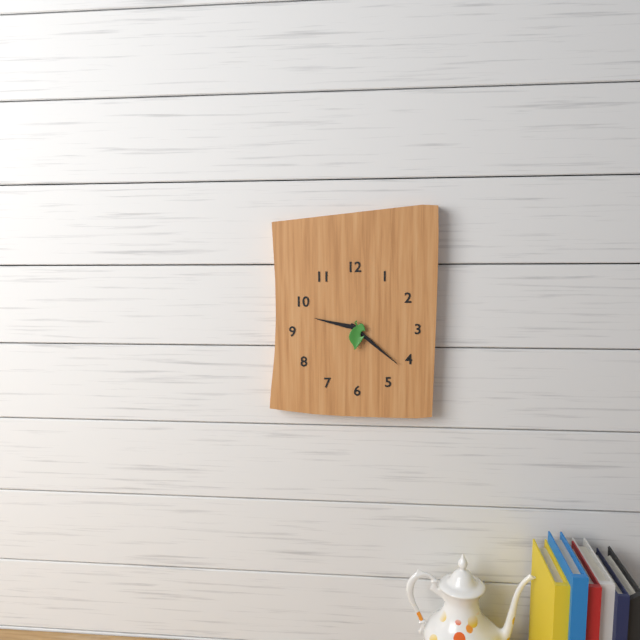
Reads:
{"hour": 9, "minute": 22}
